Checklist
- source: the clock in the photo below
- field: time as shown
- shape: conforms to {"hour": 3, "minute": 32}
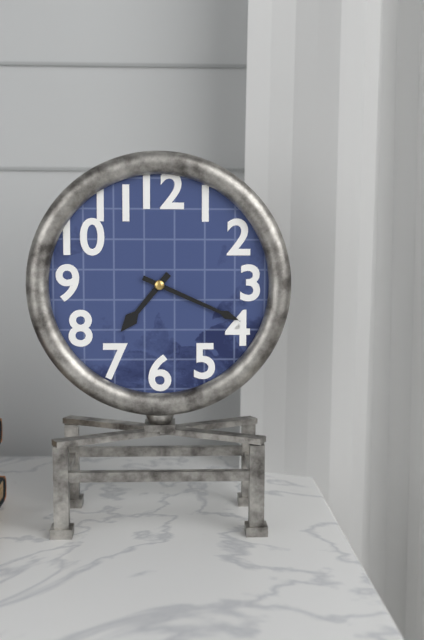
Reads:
{"hour": 7, "minute": 19}
